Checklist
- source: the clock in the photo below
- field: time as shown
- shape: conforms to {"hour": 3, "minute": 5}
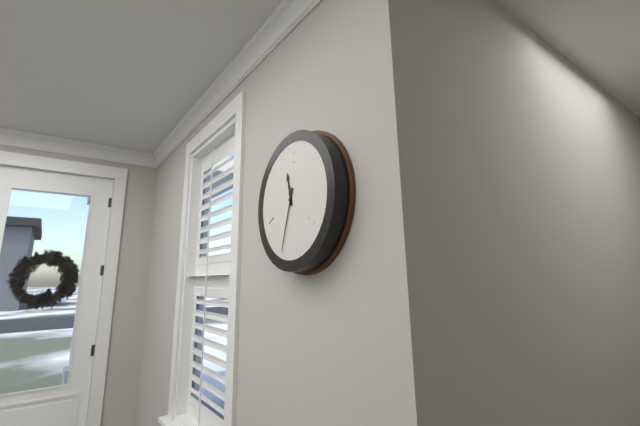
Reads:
{"hour": 11, "minute": 33}
